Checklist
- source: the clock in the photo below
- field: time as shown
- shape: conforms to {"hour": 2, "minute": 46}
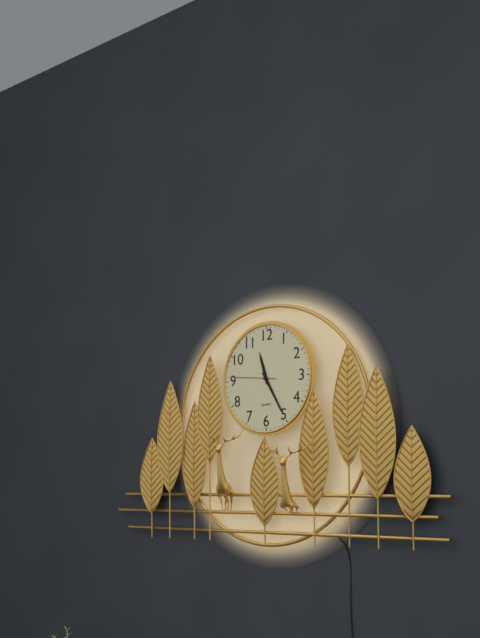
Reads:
{"hour": 11, "minute": 25}
